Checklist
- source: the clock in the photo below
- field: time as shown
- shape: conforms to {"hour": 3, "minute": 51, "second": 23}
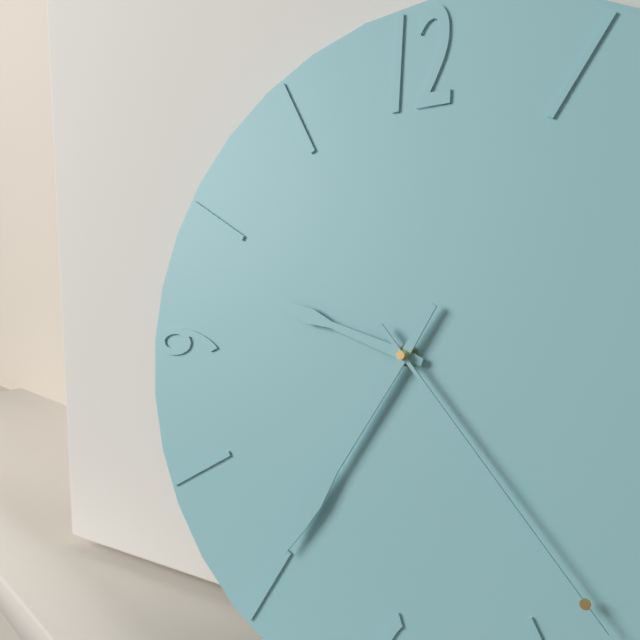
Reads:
{"hour": 9, "minute": 35, "second": 23}
